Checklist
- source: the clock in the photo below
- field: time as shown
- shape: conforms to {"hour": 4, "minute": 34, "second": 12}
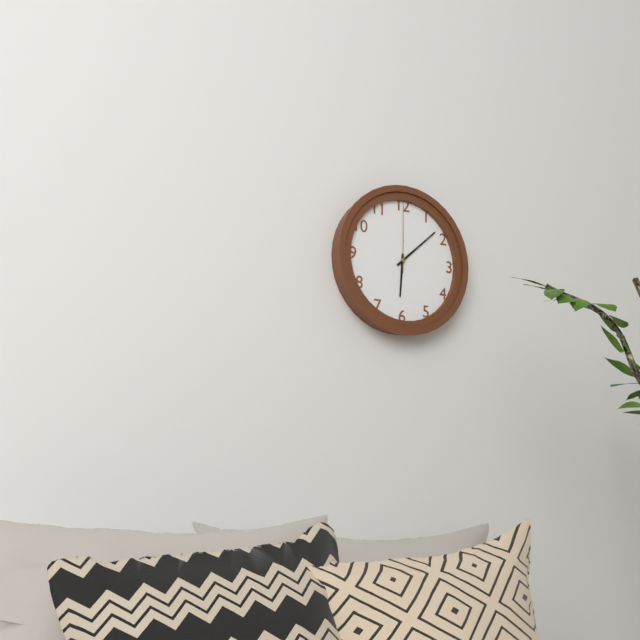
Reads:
{"hour": 6, "minute": 8, "second": 0}
